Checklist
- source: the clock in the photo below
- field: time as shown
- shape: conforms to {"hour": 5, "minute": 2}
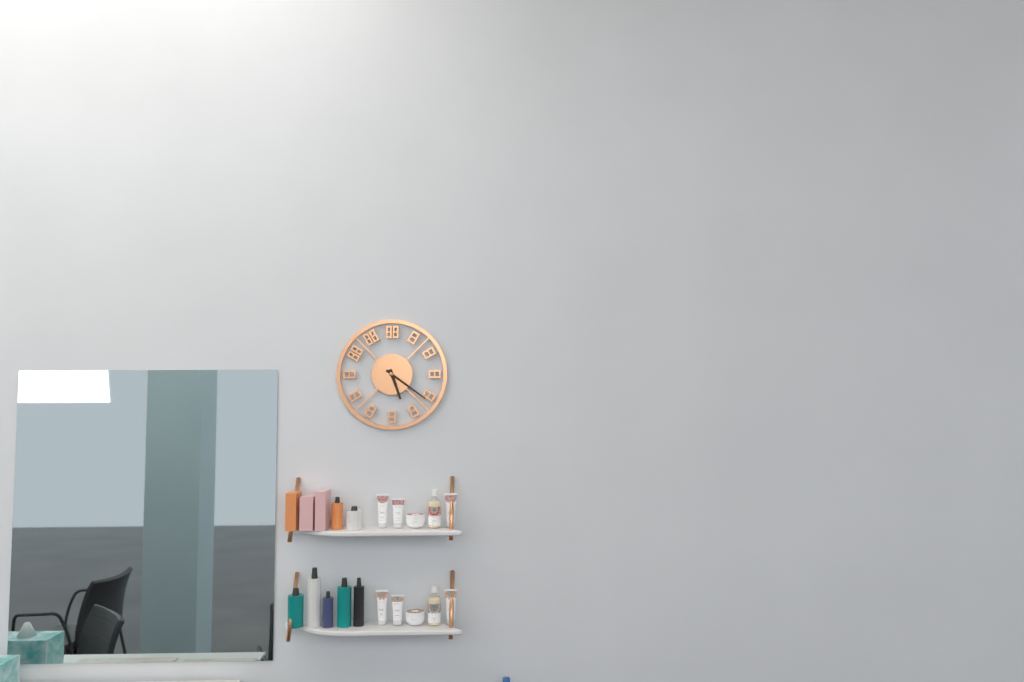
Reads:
{"hour": 5, "minute": 21}
